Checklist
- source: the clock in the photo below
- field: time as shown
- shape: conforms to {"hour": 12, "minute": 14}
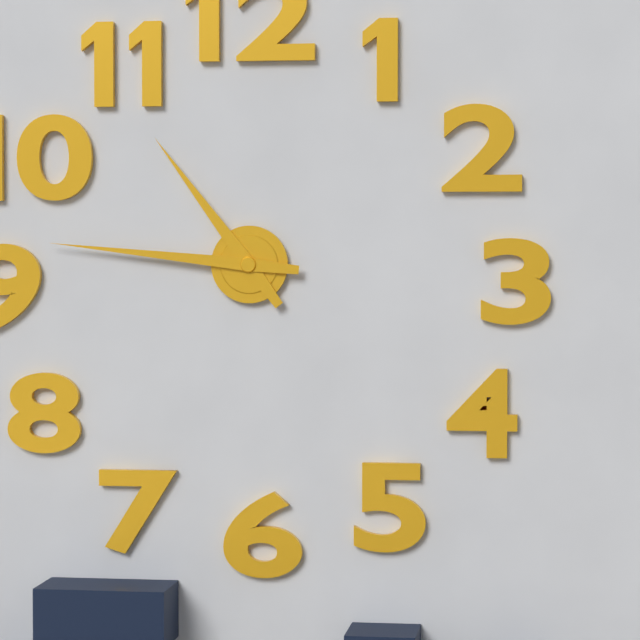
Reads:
{"hour": 10, "minute": 46}
